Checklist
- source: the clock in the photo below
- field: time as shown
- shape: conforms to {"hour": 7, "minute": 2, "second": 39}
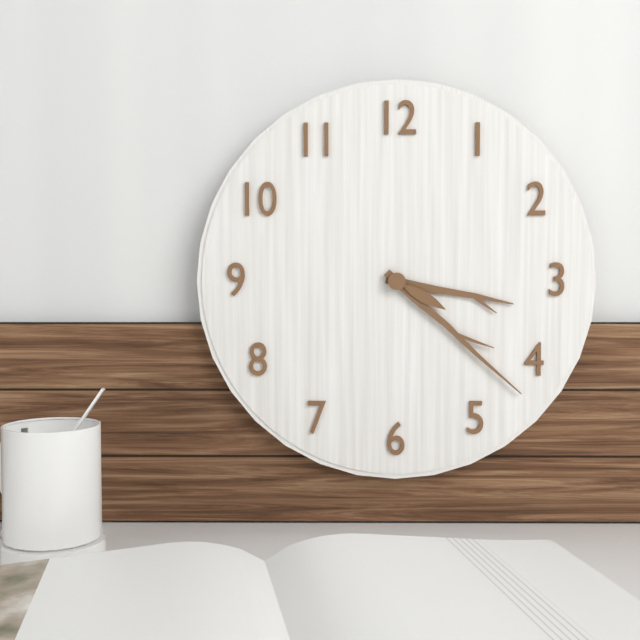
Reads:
{"hour": 3, "minute": 22, "second": 20}
